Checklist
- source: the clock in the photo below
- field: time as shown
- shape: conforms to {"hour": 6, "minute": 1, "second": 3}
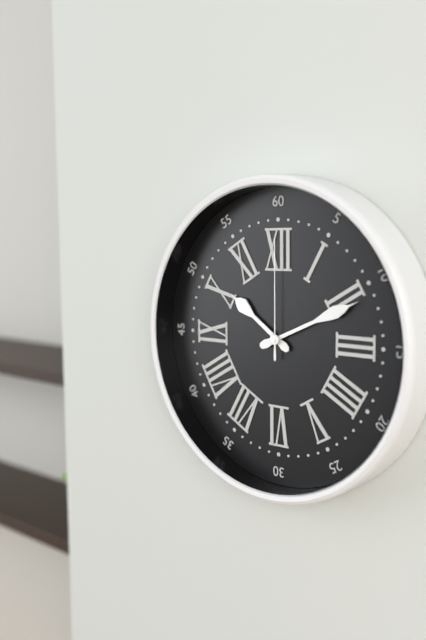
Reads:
{"hour": 10, "minute": 11, "second": 0}
